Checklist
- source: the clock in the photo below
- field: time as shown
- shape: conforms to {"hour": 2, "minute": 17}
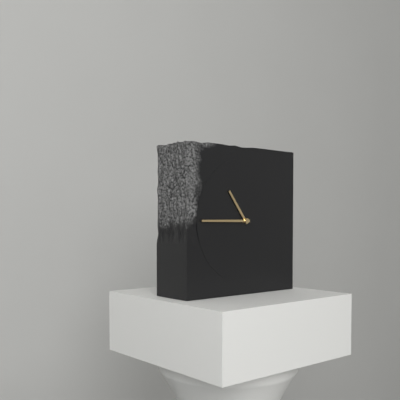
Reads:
{"hour": 10, "minute": 45}
